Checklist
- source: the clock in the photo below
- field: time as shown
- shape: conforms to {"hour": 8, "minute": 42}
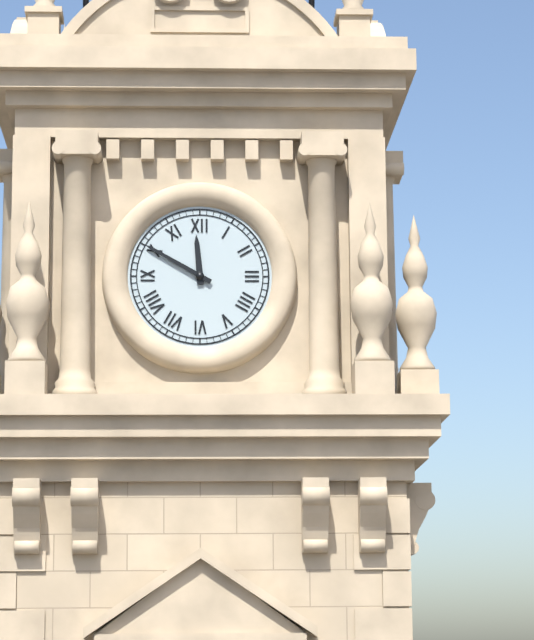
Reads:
{"hour": 11, "minute": 50}
